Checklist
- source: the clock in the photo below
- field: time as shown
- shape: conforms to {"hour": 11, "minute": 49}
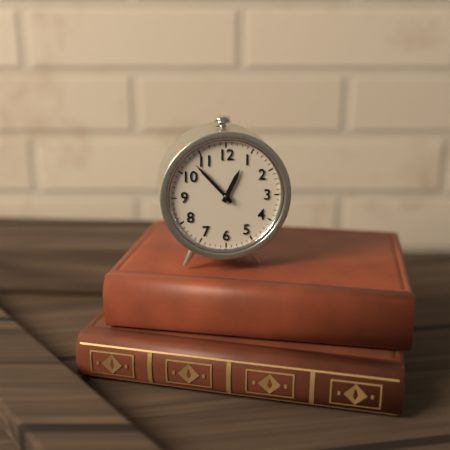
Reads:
{"hour": 12, "minute": 53}
